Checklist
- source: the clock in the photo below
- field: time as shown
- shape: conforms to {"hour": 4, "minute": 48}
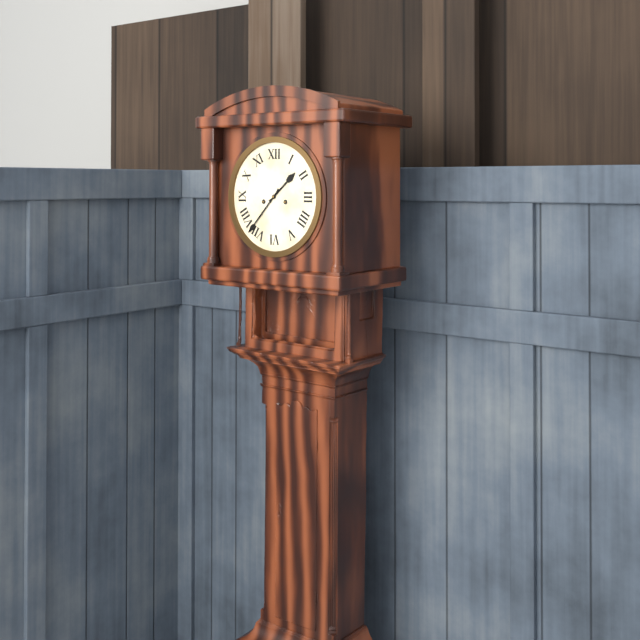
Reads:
{"hour": 1, "minute": 37}
